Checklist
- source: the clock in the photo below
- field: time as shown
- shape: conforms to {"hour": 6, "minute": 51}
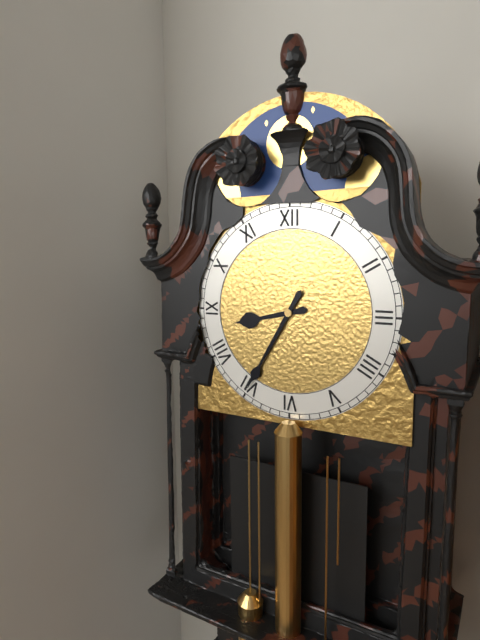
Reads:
{"hour": 8, "minute": 35}
